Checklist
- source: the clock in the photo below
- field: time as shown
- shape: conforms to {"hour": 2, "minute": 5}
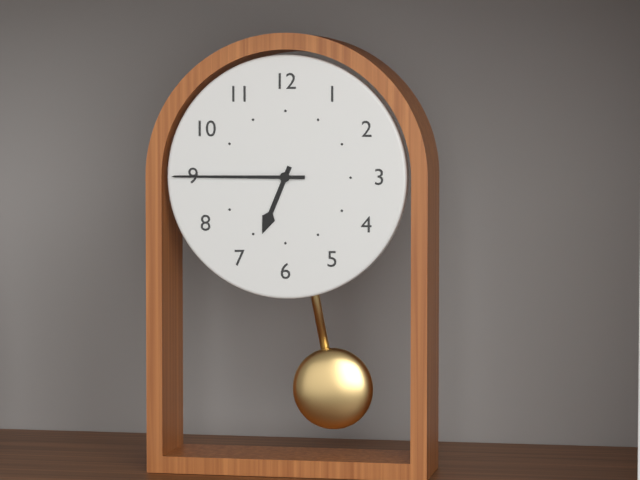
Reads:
{"hour": 6, "minute": 45}
